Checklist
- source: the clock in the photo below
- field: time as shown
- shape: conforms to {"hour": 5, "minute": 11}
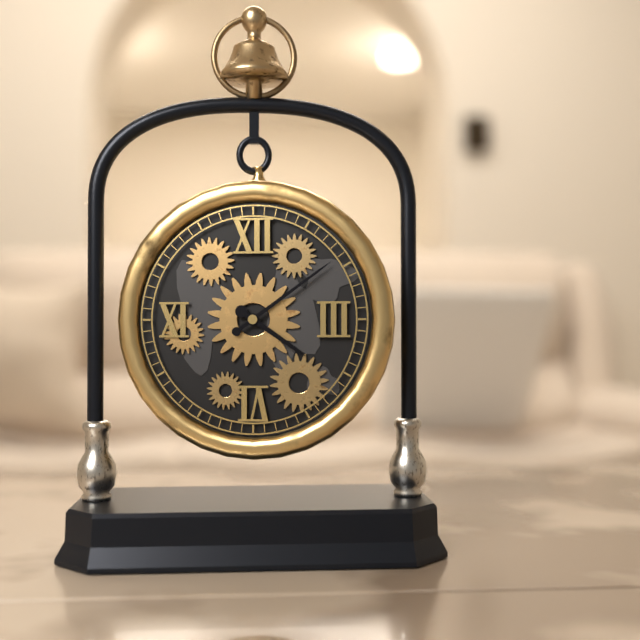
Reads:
{"hour": 4, "minute": 9}
